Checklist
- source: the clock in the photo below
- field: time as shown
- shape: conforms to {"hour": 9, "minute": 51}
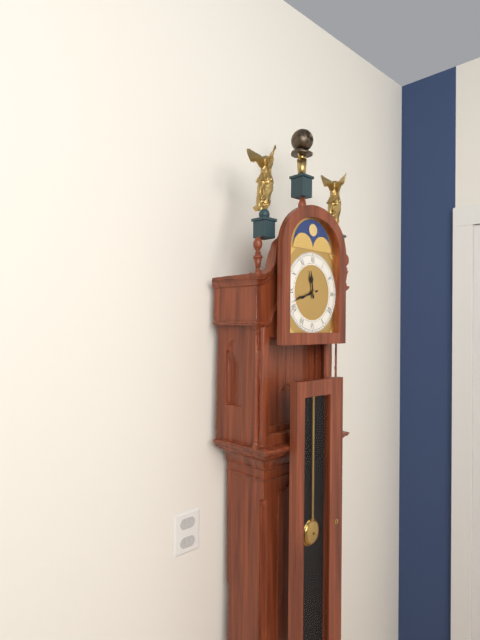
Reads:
{"hour": 11, "minute": 42}
